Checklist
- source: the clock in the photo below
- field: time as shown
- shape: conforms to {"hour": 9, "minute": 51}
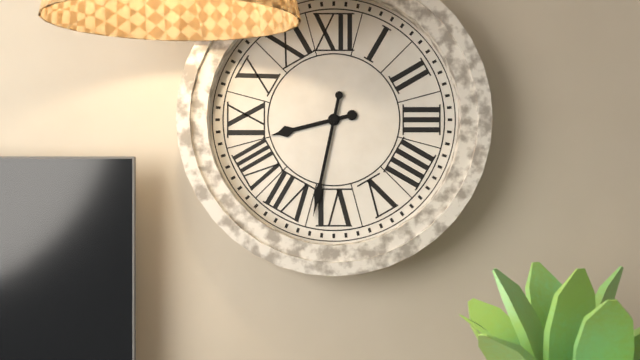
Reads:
{"hour": 8, "minute": 32}
